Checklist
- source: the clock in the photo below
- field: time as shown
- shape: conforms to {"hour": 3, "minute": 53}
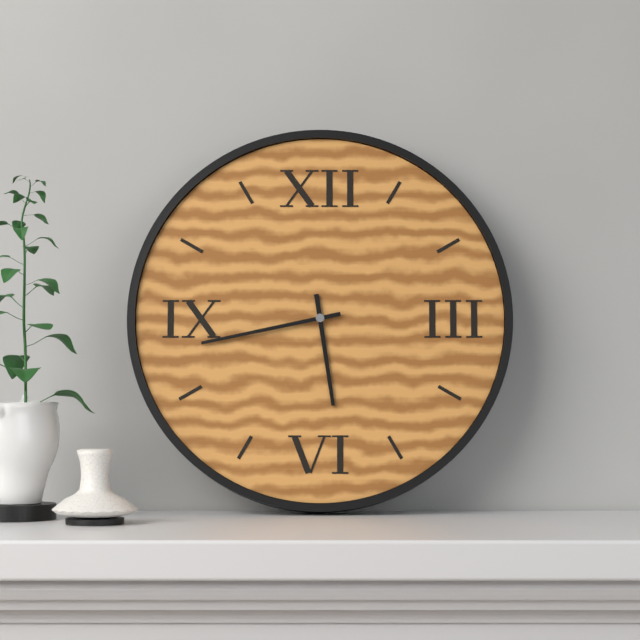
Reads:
{"hour": 5, "minute": 43}
